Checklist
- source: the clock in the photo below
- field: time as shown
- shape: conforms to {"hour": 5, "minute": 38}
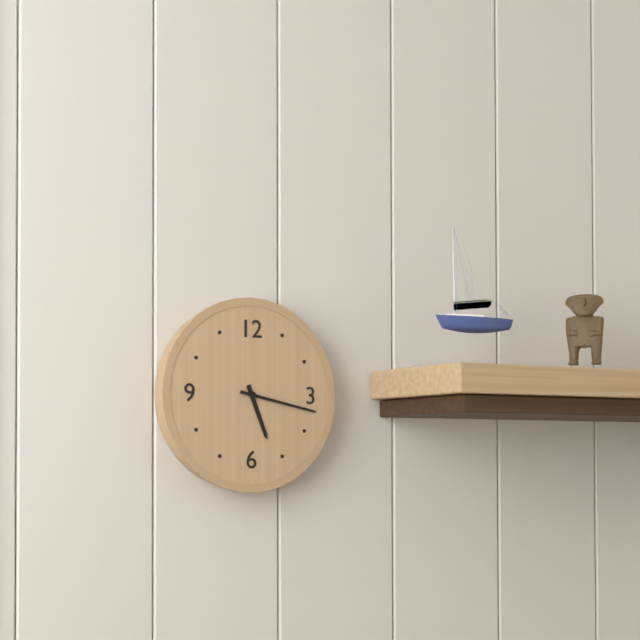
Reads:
{"hour": 5, "minute": 17}
